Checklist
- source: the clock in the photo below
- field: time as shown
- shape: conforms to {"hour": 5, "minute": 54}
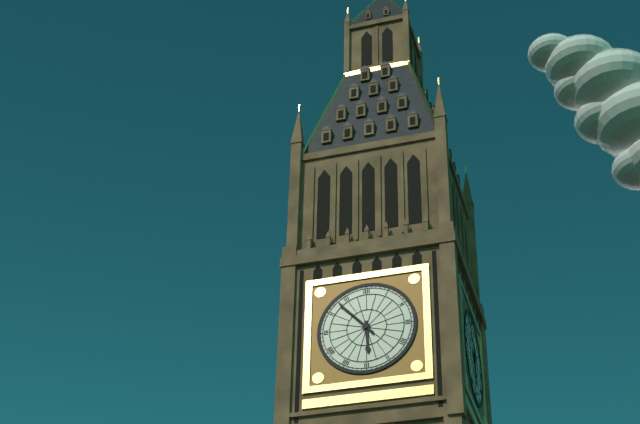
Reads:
{"hour": 5, "minute": 53}
